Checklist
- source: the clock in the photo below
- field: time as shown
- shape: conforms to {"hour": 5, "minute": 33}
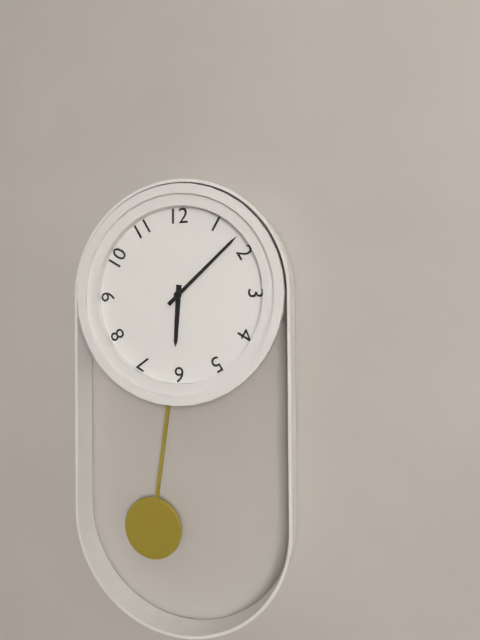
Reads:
{"hour": 6, "minute": 8}
